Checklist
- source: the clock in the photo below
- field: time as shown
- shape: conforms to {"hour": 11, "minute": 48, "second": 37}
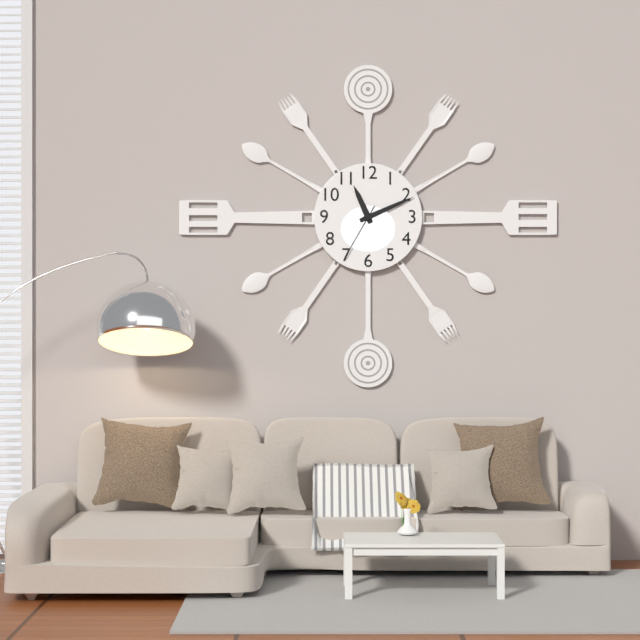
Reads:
{"hour": 11, "minute": 11, "second": 35}
